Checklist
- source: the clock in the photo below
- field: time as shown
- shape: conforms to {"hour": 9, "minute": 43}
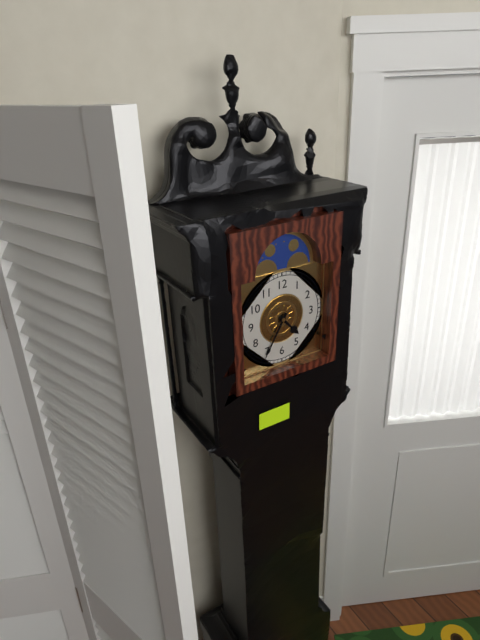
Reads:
{"hour": 4, "minute": 35}
